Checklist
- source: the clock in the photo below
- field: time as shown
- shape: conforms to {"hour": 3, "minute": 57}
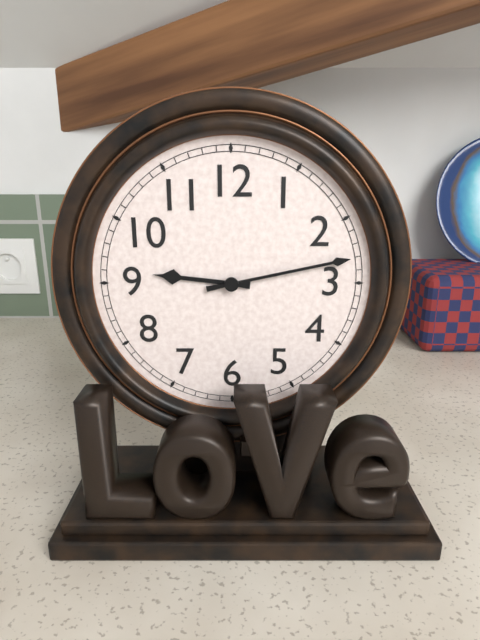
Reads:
{"hour": 9, "minute": 13}
